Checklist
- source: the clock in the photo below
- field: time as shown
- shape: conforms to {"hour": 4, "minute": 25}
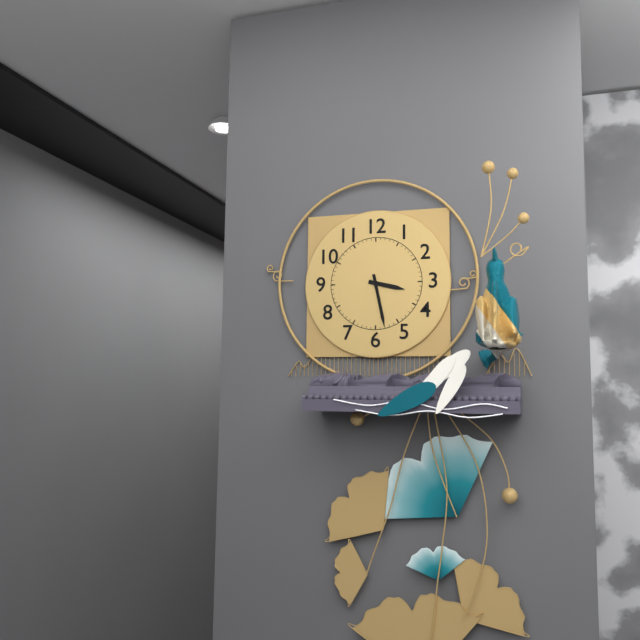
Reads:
{"hour": 3, "minute": 28}
